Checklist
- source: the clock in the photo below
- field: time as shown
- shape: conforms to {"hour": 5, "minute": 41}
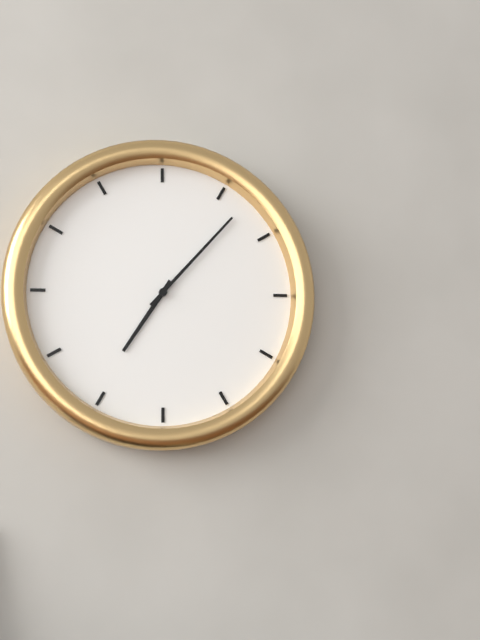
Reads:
{"hour": 7, "minute": 7}
